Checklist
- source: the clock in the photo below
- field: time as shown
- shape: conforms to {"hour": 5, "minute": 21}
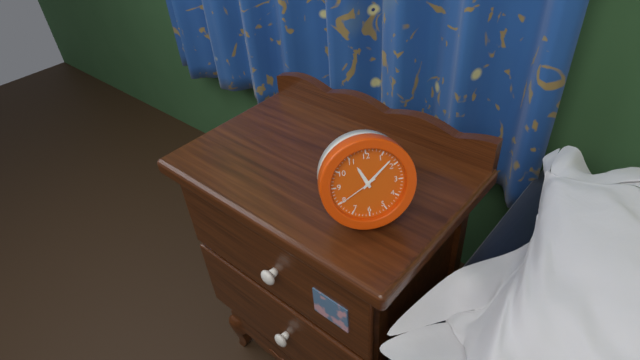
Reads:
{"hour": 11, "minute": 8}
